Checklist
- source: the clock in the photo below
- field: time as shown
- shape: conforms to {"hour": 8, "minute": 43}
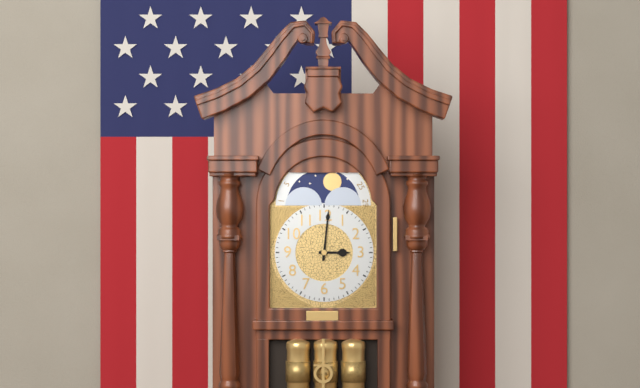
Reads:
{"hour": 3, "minute": 1}
